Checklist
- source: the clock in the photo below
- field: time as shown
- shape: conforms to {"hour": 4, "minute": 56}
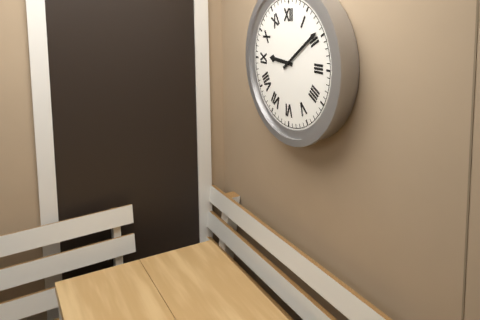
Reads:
{"hour": 9, "minute": 9}
